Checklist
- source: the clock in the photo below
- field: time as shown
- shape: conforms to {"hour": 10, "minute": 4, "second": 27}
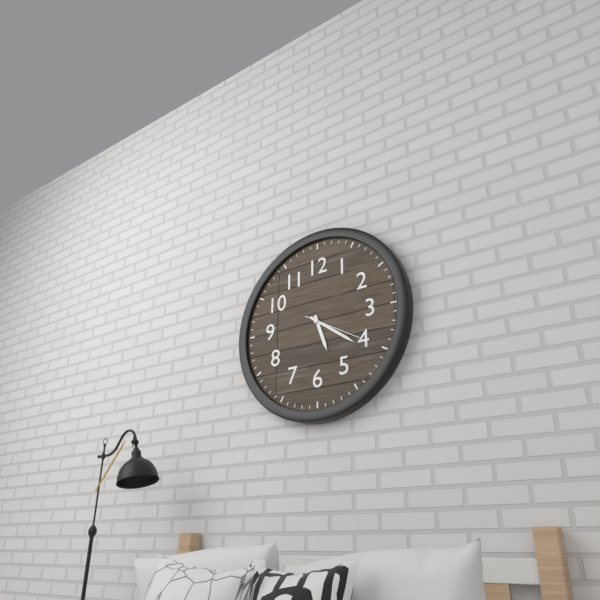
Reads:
{"hour": 5, "minute": 21, "second": 20}
